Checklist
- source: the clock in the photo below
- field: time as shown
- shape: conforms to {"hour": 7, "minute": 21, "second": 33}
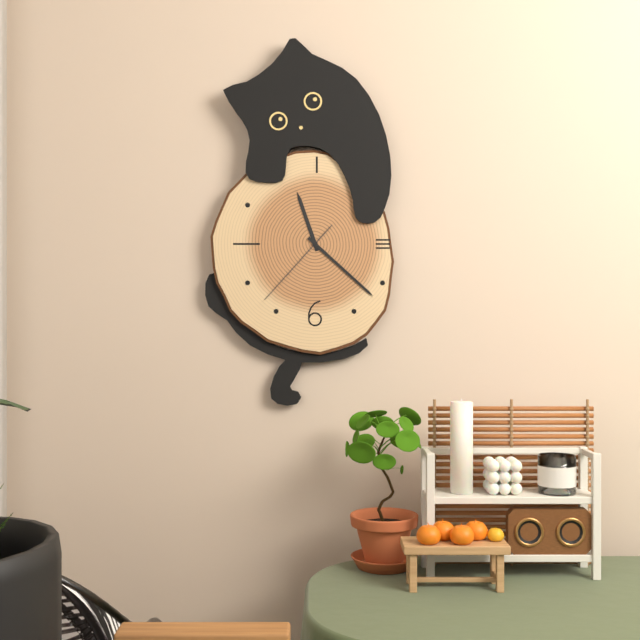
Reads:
{"hour": 11, "minute": 22, "second": 37}
